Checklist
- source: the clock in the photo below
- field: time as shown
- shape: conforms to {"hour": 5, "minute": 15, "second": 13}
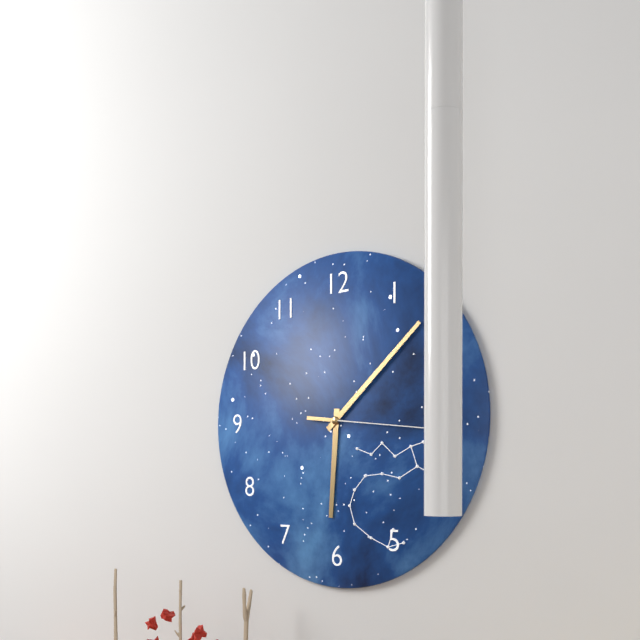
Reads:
{"hour": 6, "minute": 8, "second": 16}
